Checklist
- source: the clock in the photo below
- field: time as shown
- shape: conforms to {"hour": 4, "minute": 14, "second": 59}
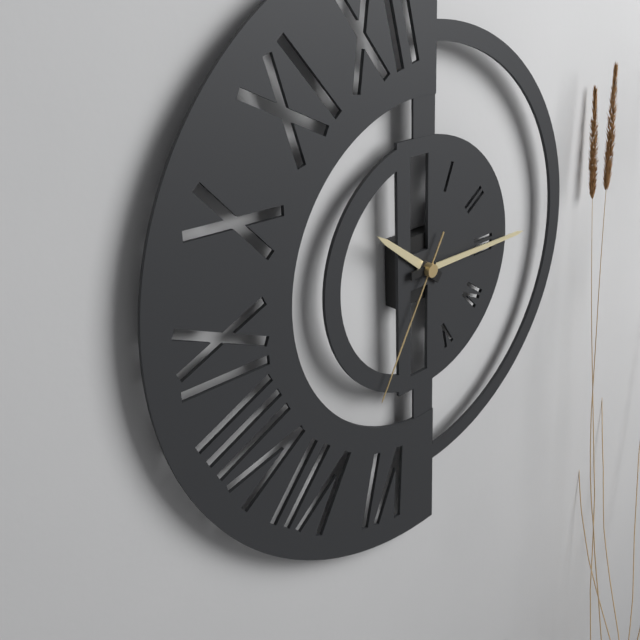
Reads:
{"hour": 10, "minute": 15, "second": 35}
